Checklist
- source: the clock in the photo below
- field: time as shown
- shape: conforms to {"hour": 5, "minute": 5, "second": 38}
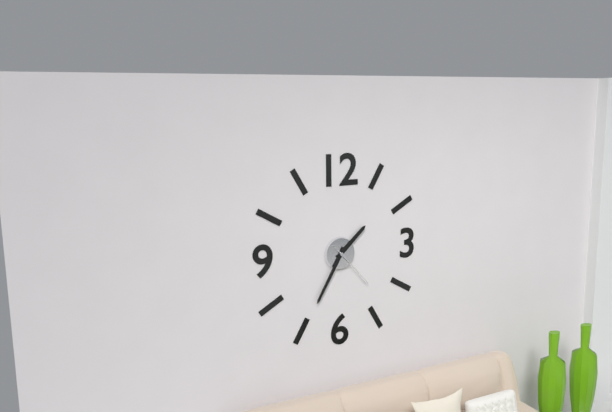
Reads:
{"hour": 1, "minute": 35, "second": 23}
